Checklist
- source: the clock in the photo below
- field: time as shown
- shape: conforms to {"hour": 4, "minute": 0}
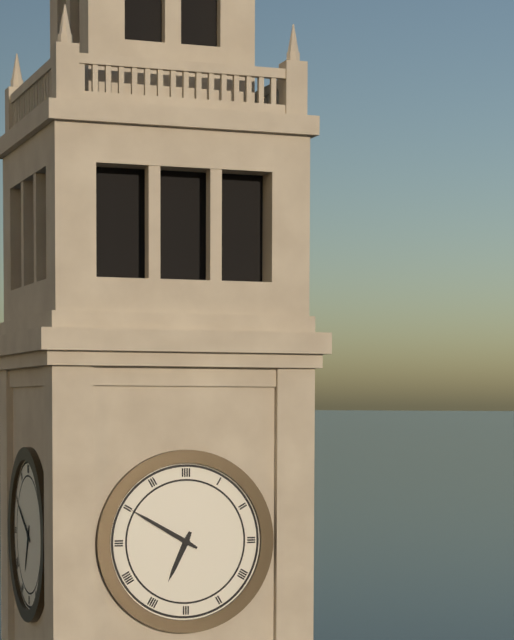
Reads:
{"hour": 6, "minute": 50}
